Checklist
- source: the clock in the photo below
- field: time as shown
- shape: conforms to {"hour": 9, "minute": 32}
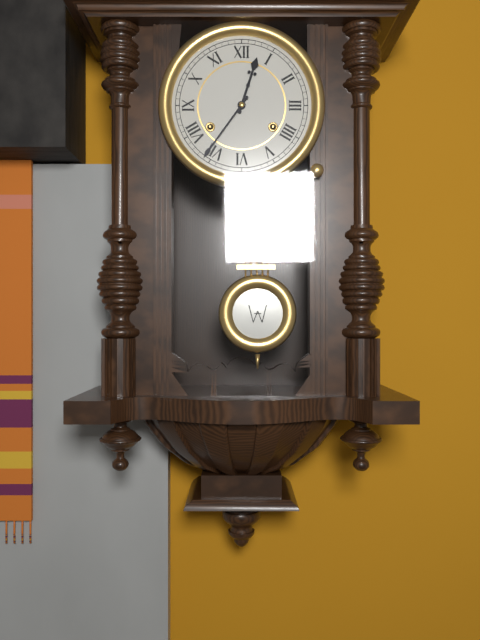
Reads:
{"hour": 12, "minute": 36}
